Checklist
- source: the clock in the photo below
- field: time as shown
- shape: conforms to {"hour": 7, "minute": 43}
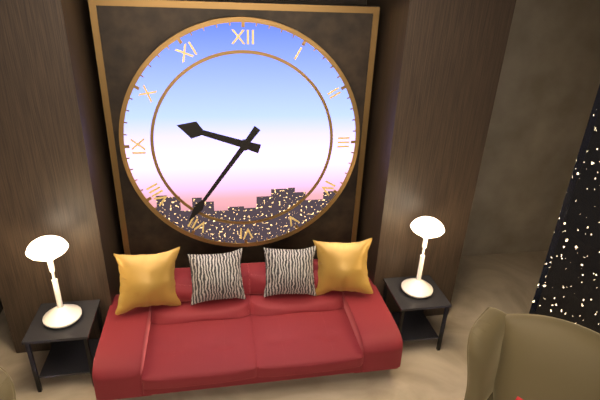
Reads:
{"hour": 9, "minute": 36}
